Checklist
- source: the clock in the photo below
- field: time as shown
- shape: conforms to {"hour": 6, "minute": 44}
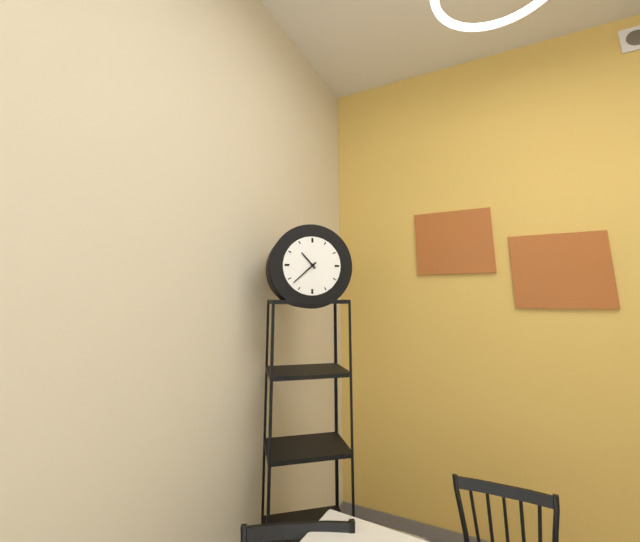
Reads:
{"hour": 10, "minute": 38}
